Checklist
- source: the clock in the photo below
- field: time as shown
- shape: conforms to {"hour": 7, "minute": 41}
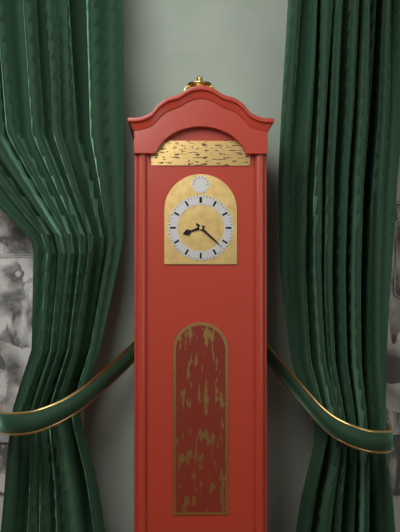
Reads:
{"hour": 8, "minute": 22}
